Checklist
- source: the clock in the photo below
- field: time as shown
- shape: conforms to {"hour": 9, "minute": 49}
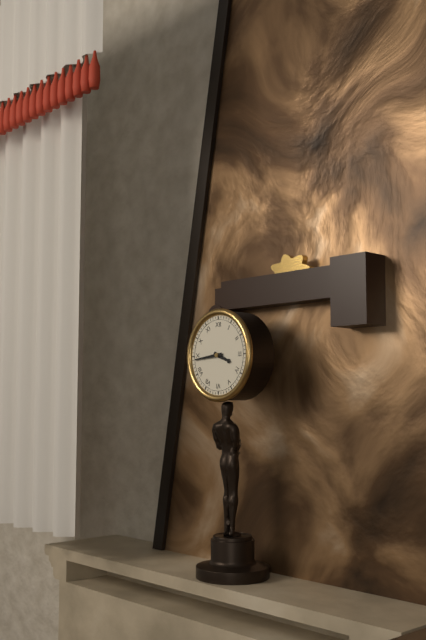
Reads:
{"hour": 3, "minute": 44}
